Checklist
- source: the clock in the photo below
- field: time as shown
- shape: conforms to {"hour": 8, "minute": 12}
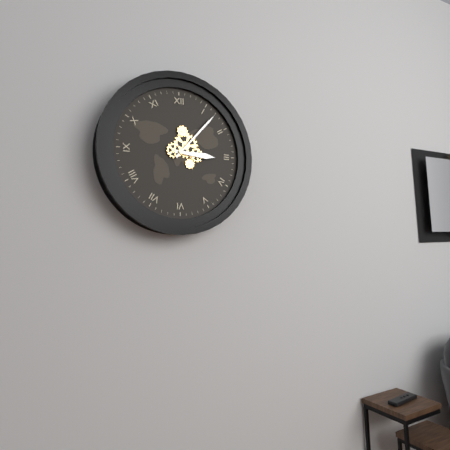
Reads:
{"hour": 3, "minute": 7}
